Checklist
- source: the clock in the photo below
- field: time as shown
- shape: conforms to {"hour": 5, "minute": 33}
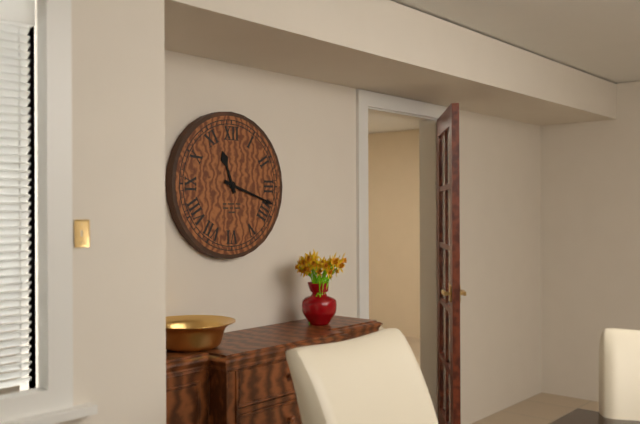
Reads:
{"hour": 11, "minute": 18}
